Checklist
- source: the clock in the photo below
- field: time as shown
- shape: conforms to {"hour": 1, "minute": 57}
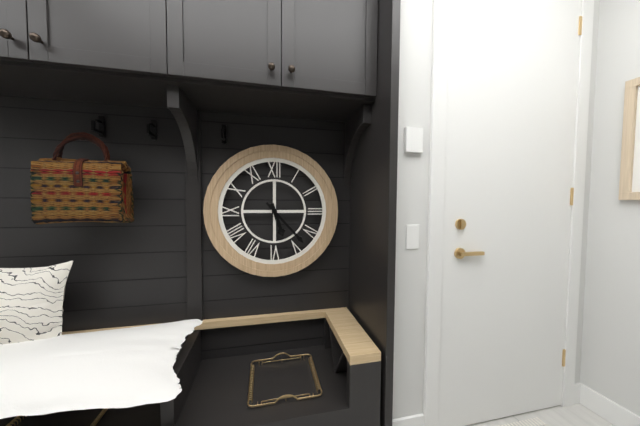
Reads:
{"hour": 5, "minute": 23}
